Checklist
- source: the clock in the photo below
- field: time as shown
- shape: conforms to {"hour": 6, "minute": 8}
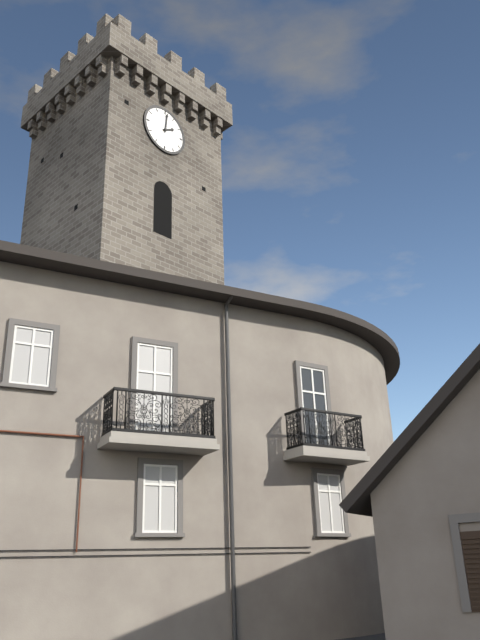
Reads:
{"hour": 2, "minute": 1}
